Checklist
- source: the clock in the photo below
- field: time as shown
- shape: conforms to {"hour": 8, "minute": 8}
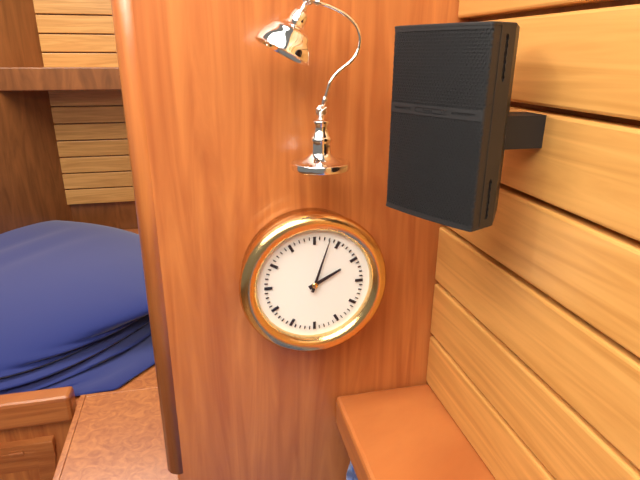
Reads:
{"hour": 2, "minute": 3}
